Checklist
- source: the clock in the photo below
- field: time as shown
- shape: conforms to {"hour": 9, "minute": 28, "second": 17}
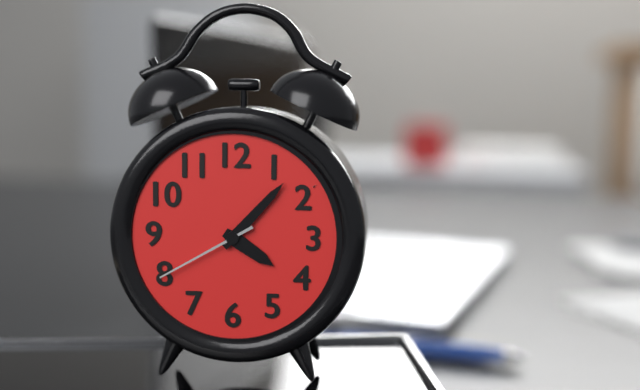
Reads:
{"hour": 4, "minute": 7, "second": 40}
